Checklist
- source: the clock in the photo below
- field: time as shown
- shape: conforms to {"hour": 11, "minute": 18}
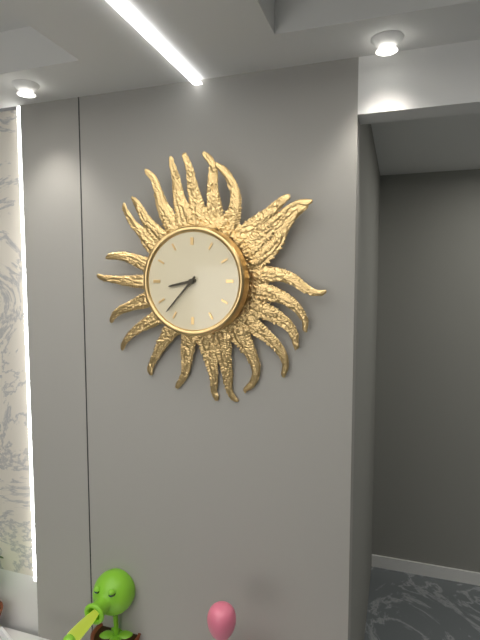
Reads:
{"hour": 8, "minute": 37}
